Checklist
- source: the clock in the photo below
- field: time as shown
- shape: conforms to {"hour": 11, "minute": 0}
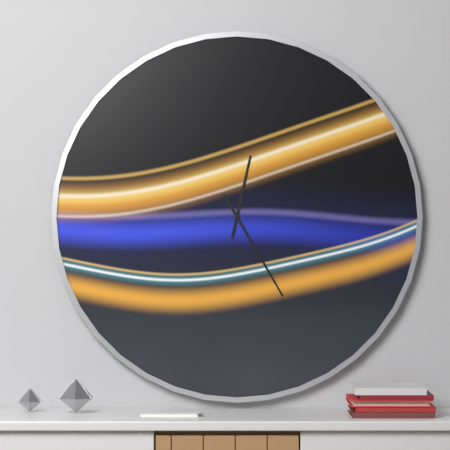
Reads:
{"hour": 12, "minute": 25}
